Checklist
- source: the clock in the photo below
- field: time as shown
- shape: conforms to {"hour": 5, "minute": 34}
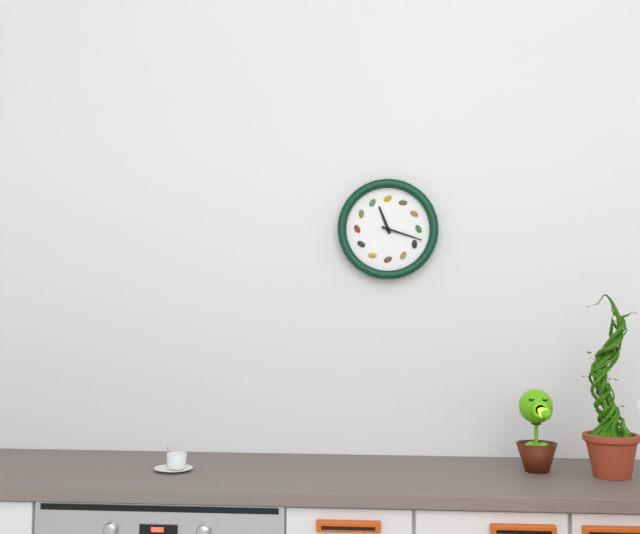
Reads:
{"hour": 11, "minute": 18}
